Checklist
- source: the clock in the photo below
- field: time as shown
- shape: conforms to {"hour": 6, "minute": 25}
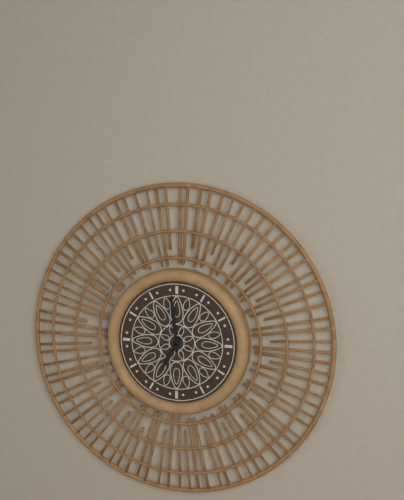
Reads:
{"hour": 6, "minute": 59}
